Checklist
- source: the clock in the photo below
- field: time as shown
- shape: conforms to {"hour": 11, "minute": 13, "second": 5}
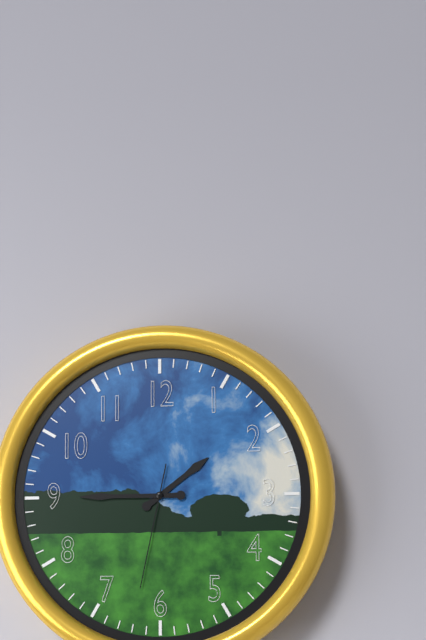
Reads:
{"hour": 1, "minute": 45, "second": 32}
